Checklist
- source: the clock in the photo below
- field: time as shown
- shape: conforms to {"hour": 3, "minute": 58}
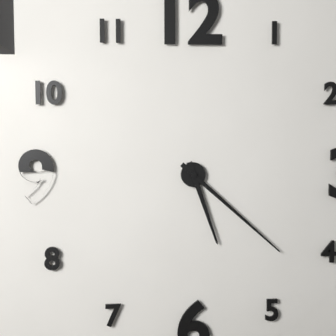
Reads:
{"hour": 5, "minute": 22}
